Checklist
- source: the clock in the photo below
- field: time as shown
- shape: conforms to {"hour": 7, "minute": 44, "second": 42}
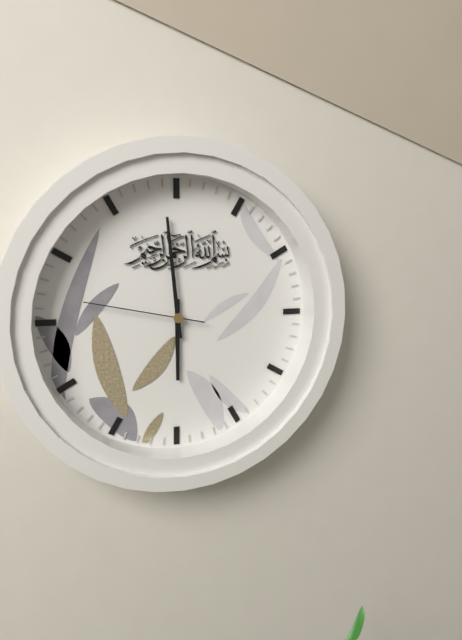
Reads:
{"hour": 5, "minute": 59, "second": 47}
